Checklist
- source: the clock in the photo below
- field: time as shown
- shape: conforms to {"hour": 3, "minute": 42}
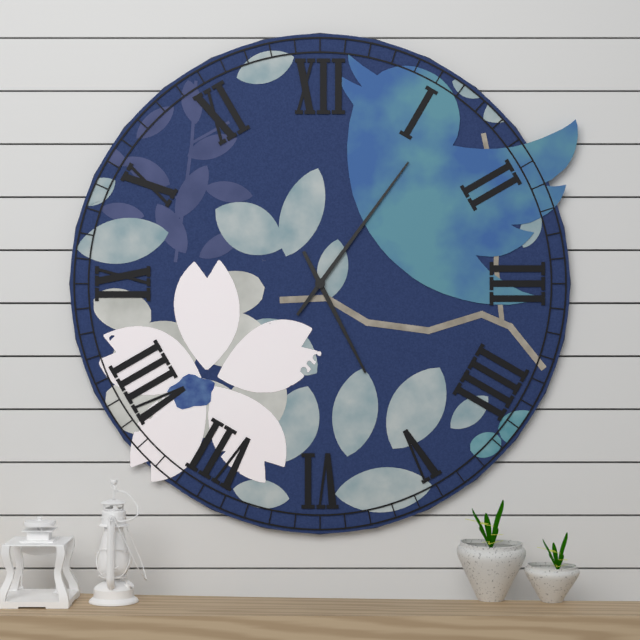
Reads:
{"hour": 5, "minute": 6}
